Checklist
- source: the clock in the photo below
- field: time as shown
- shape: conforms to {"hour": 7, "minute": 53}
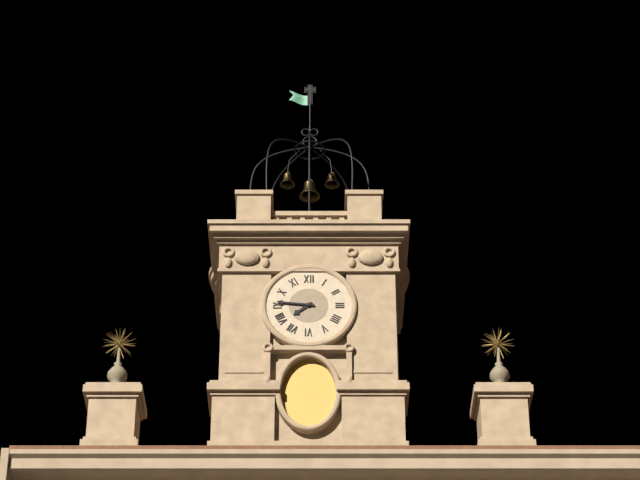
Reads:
{"hour": 7, "minute": 46}
